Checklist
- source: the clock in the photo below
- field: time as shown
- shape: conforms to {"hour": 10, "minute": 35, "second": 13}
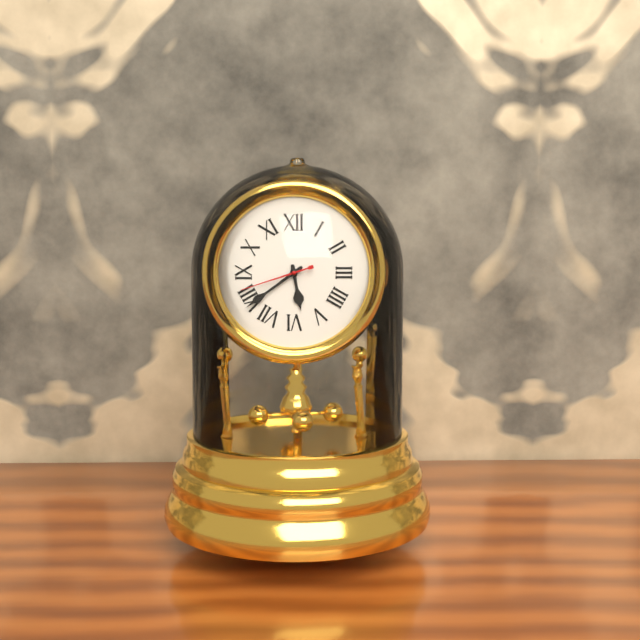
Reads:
{"hour": 5, "minute": 39, "second": 42}
